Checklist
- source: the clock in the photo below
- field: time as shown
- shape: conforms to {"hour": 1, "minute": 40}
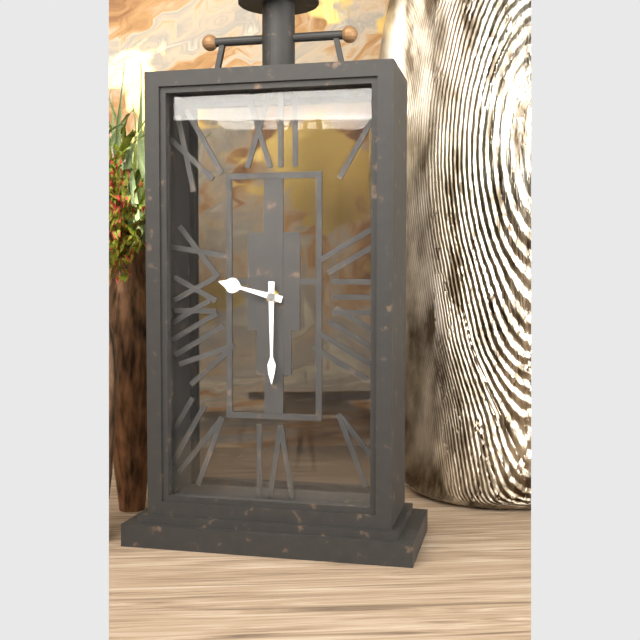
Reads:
{"hour": 9, "minute": 30}
